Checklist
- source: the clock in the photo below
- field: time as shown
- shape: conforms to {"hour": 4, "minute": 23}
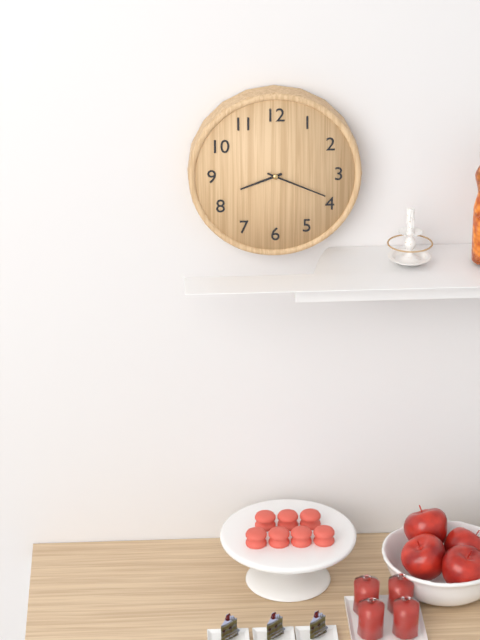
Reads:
{"hour": 8, "minute": 19}
